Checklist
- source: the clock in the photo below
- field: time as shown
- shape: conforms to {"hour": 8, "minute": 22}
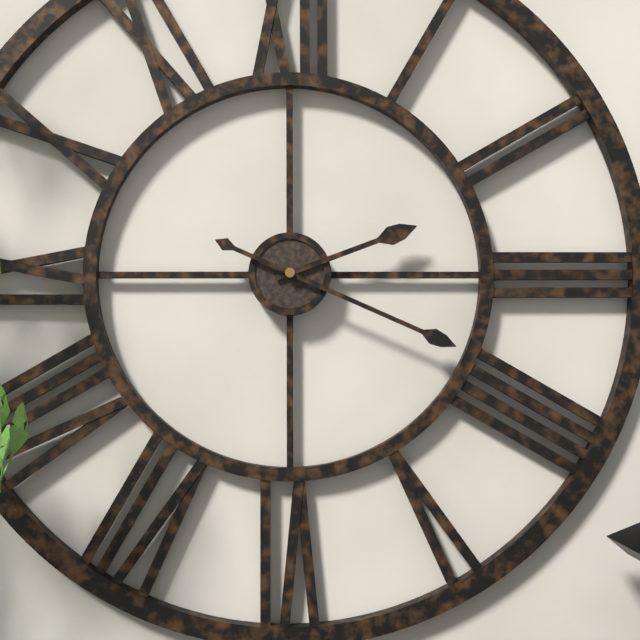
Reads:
{"hour": 2, "minute": 19}
